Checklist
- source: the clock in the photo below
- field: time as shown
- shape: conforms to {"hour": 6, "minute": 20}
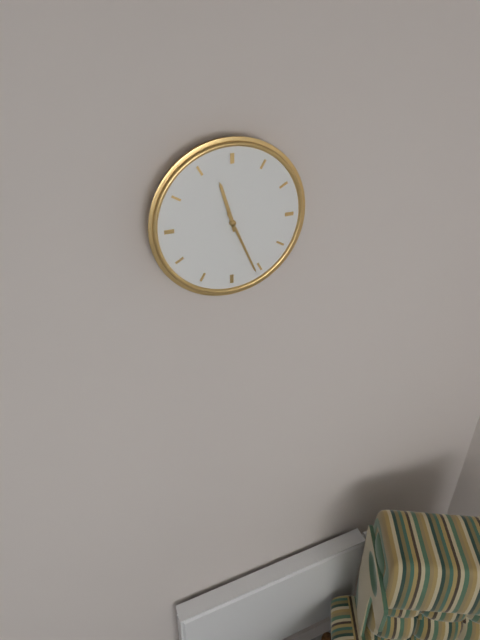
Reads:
{"hour": 11, "minute": 26}
